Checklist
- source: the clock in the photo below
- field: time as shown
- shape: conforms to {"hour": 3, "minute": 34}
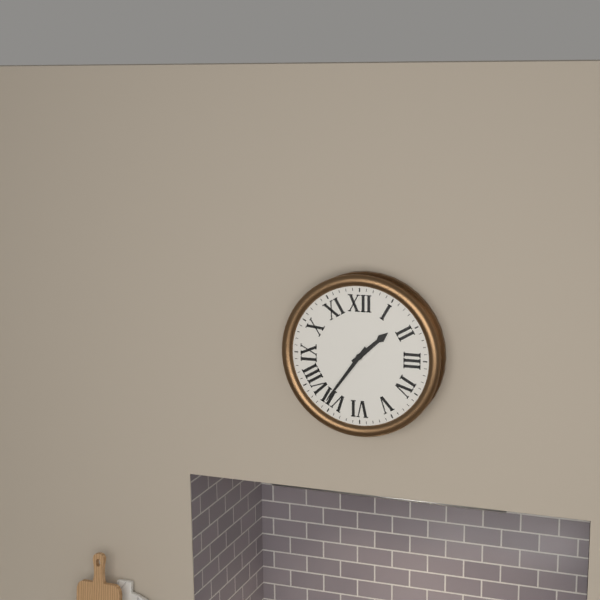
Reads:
{"hour": 1, "minute": 36}
